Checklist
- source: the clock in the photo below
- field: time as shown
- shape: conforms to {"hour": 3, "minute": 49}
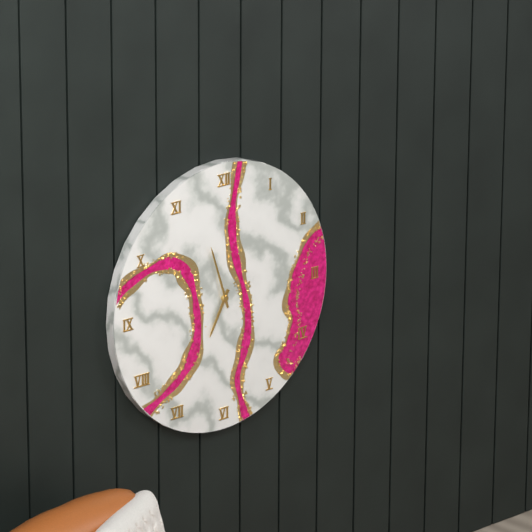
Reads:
{"hour": 6, "minute": 57}
